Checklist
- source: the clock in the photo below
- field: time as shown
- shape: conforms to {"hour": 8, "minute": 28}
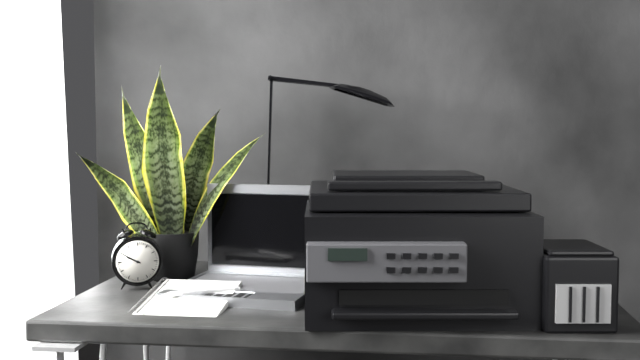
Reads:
{"hour": 9, "minute": 50}
